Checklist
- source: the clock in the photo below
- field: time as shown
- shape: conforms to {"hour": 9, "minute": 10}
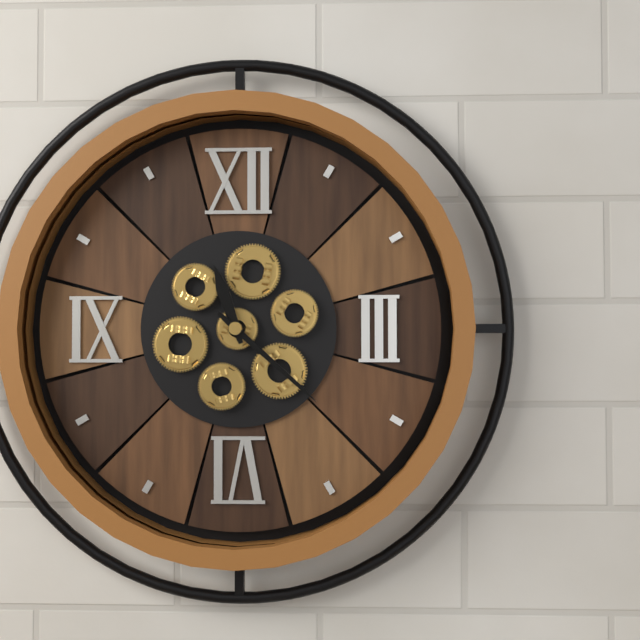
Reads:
{"hour": 11, "minute": 22}
